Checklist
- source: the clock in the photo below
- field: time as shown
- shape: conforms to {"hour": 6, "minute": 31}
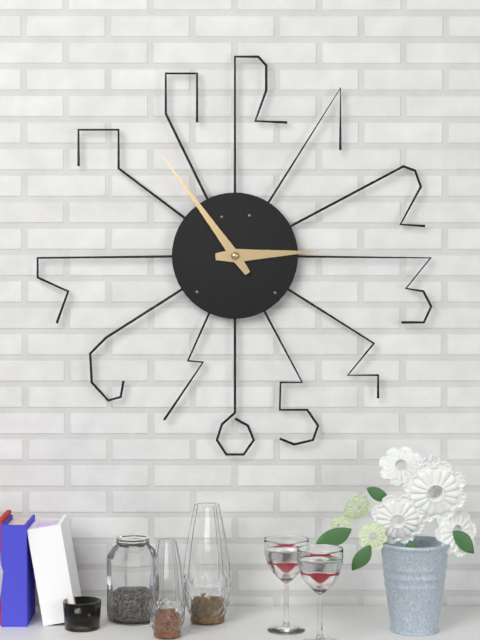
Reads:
{"hour": 2, "minute": 54}
